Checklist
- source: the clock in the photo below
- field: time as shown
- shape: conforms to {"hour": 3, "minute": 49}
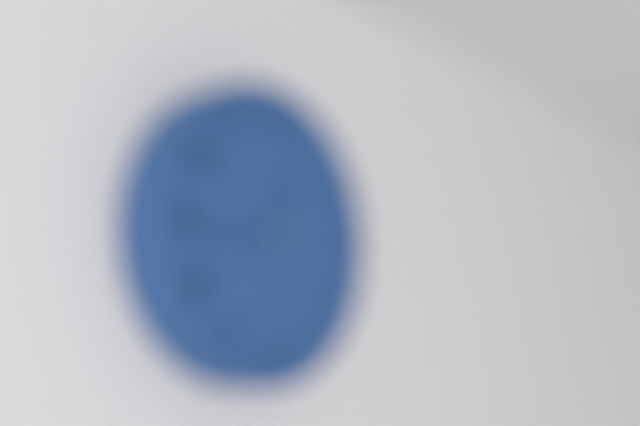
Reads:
{"hour": 12, "minute": 44}
